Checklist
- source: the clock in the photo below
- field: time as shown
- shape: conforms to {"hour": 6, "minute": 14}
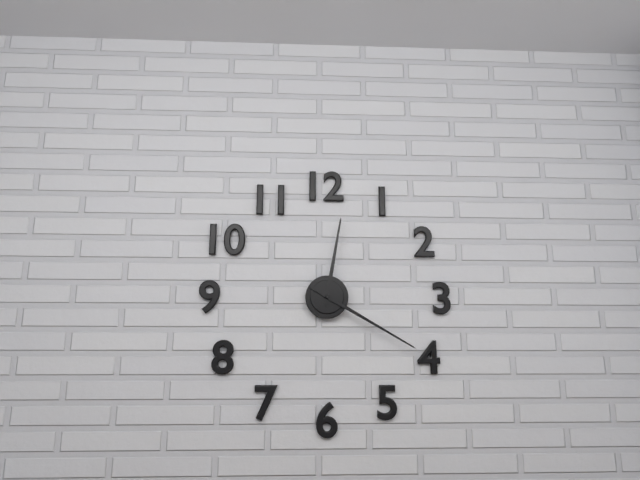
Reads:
{"hour": 12, "minute": 20}
